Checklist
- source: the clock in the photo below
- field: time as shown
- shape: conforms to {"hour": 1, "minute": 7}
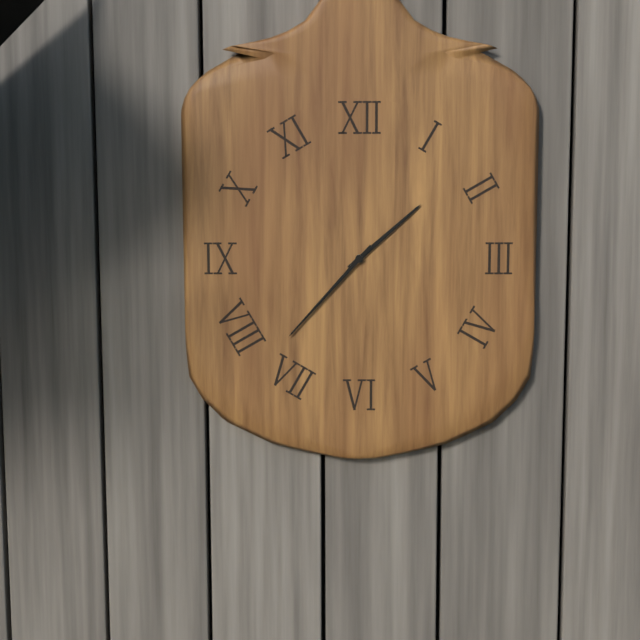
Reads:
{"hour": 1, "minute": 37}
